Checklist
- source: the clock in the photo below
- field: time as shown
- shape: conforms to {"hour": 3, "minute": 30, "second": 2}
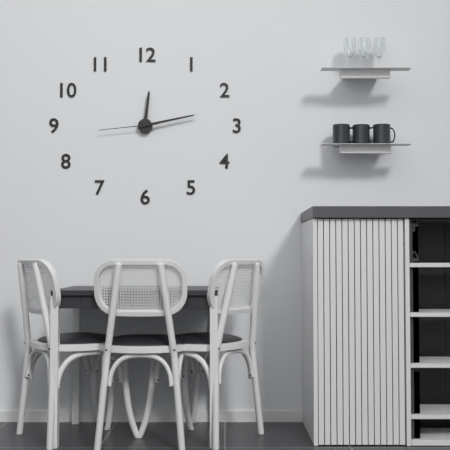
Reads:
{"hour": 12, "minute": 13, "second": 44}
